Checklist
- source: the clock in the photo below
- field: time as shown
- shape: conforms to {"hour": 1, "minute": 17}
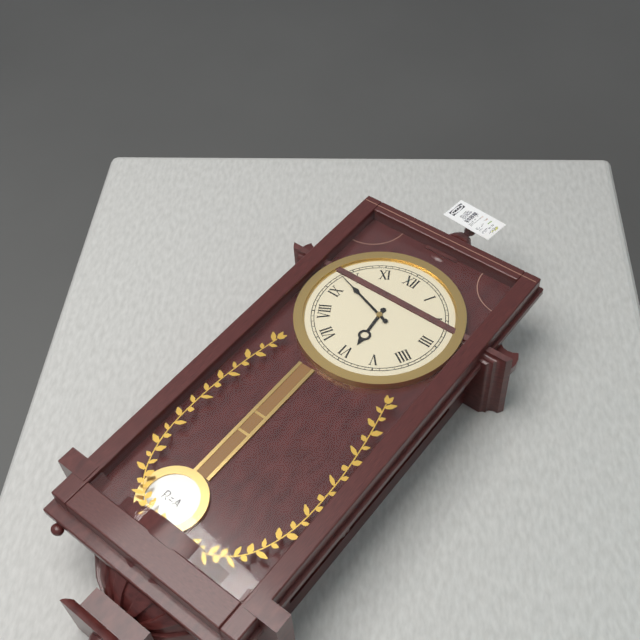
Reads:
{"hour": 5, "minute": 48}
